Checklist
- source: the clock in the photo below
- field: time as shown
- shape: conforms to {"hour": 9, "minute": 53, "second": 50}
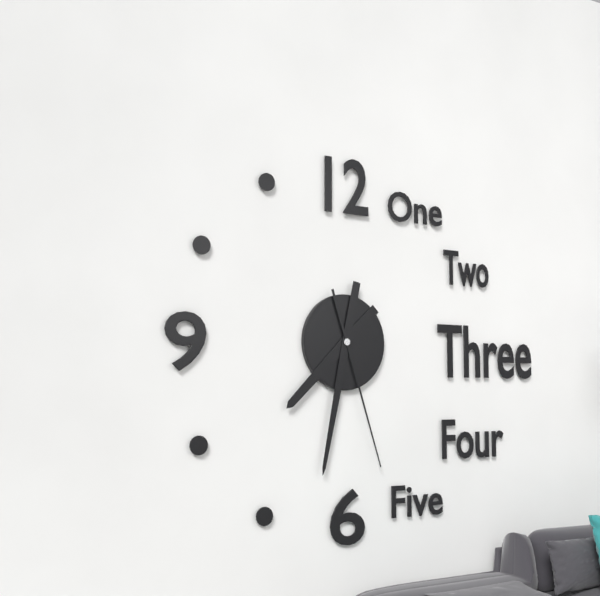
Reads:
{"hour": 7, "minute": 32, "second": 27}
